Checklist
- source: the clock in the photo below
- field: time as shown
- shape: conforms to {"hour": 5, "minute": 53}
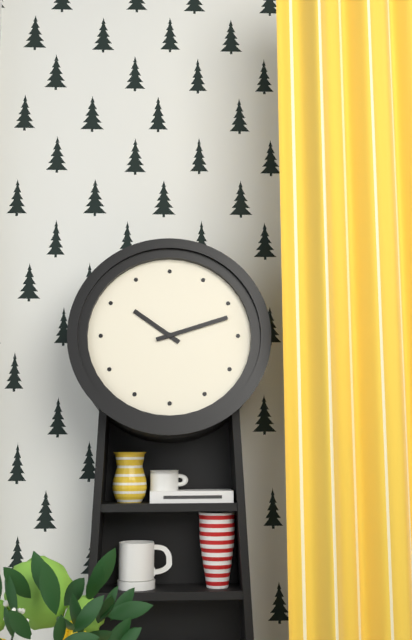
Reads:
{"hour": 10, "minute": 12}
